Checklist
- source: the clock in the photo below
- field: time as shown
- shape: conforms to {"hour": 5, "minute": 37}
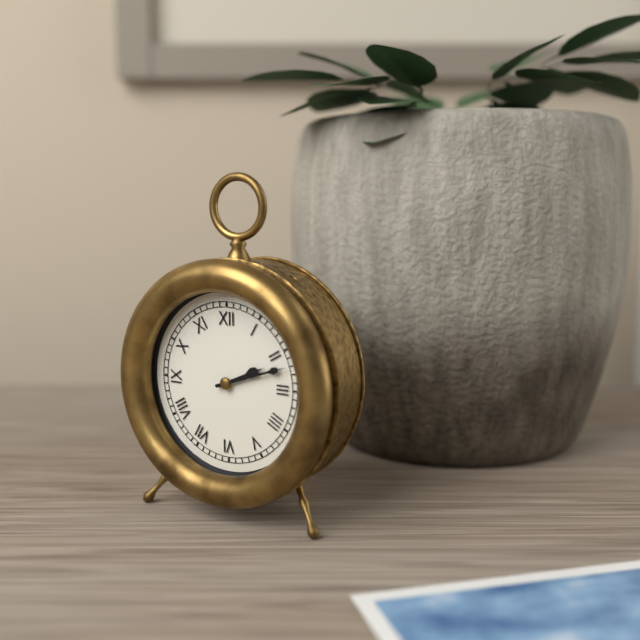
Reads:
{"hour": 2, "minute": 12}
